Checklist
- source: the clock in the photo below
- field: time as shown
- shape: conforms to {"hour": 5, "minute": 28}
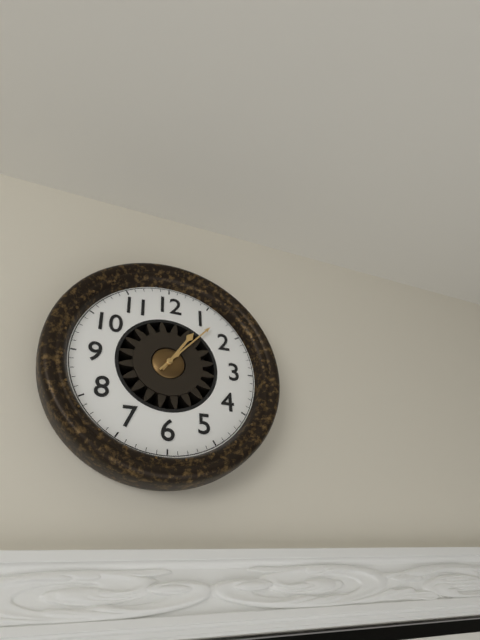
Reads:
{"hour": 1, "minute": 7}
